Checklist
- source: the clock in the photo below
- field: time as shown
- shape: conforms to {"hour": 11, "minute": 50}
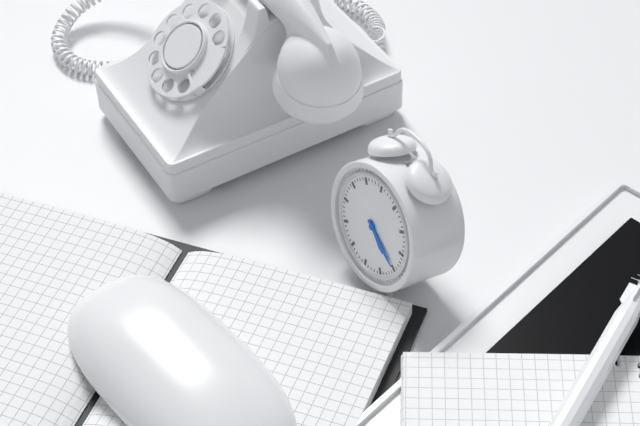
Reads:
{"hour": 4, "minute": 20}
